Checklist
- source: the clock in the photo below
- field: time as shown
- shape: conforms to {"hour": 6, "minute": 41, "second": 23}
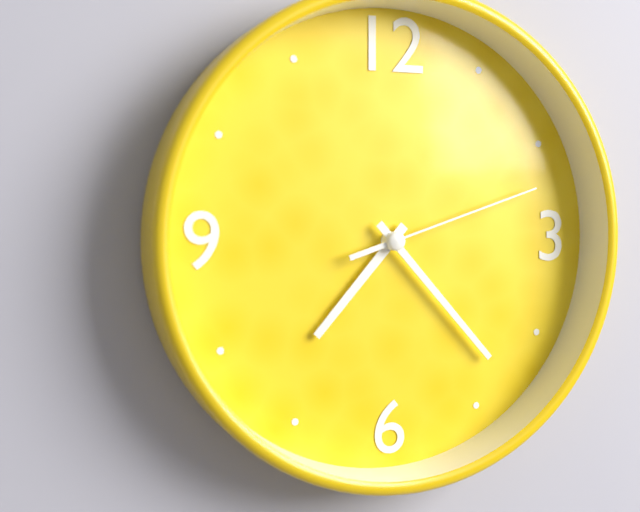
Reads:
{"hour": 7, "minute": 23, "second": 12}
